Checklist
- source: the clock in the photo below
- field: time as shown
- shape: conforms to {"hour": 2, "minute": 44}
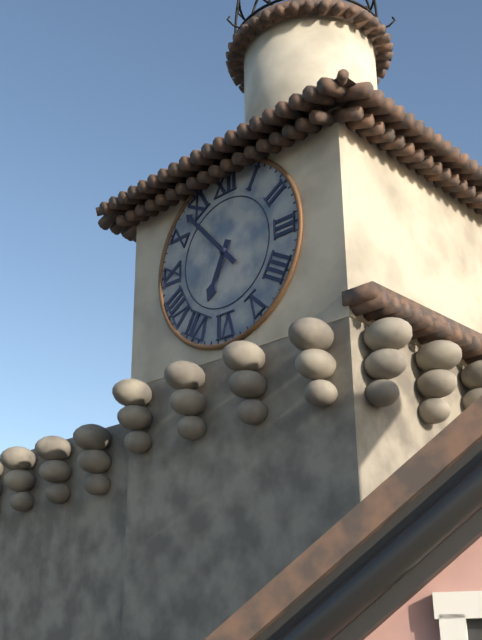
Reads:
{"hour": 6, "minute": 53}
